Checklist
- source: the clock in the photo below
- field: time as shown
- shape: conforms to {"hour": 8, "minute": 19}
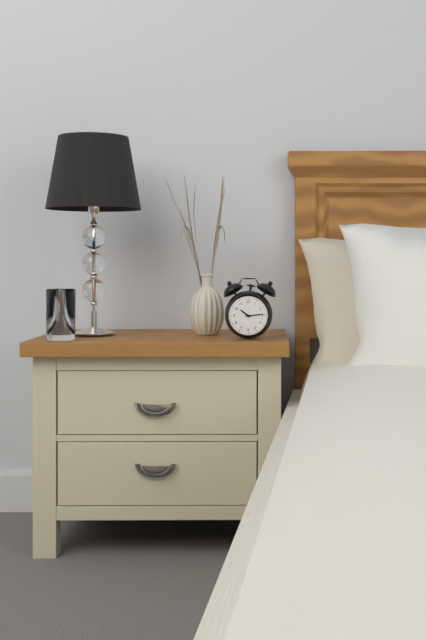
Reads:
{"hour": 10, "minute": 14}
